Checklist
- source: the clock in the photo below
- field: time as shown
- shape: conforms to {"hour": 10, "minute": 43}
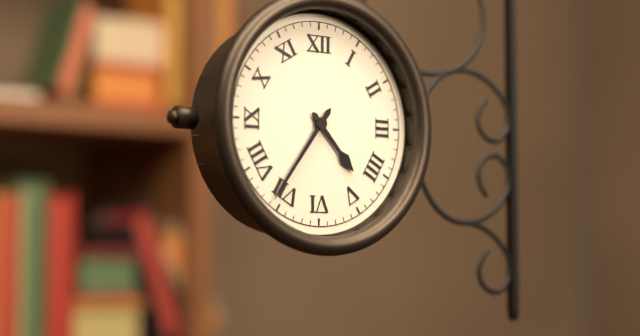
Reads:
{"hour": 4, "minute": 36}
